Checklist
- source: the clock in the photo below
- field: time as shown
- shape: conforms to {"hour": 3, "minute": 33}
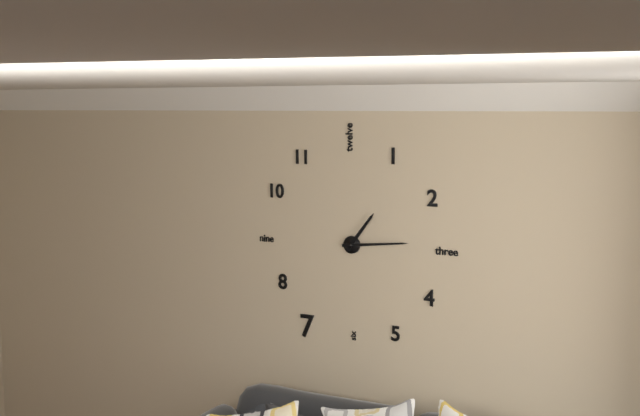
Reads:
{"hour": 1, "minute": 14}
